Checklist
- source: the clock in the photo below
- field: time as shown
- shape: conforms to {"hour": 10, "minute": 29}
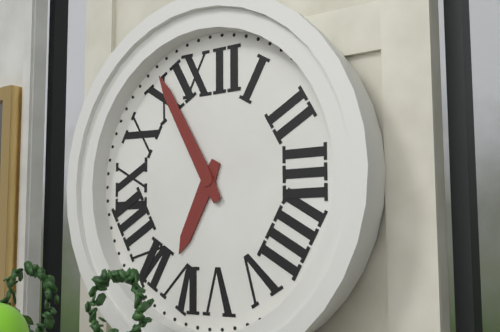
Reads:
{"hour": 6, "minute": 55}
